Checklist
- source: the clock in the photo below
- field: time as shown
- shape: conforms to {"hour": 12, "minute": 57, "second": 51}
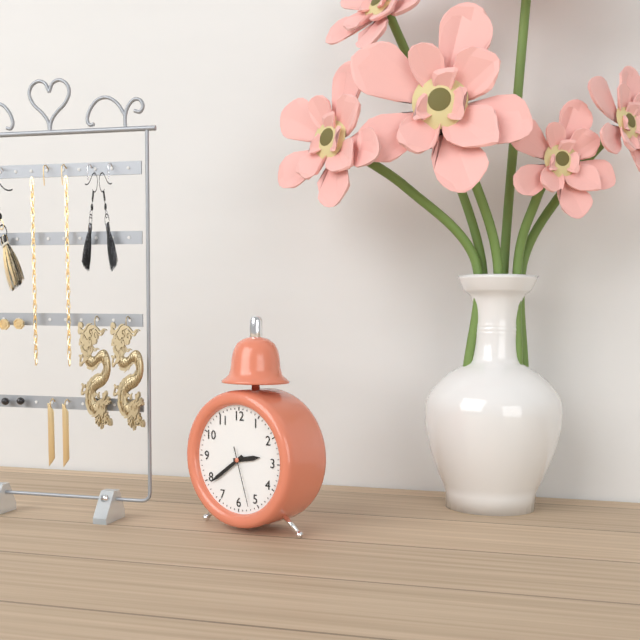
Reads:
{"hour": 2, "minute": 39, "second": 27}
